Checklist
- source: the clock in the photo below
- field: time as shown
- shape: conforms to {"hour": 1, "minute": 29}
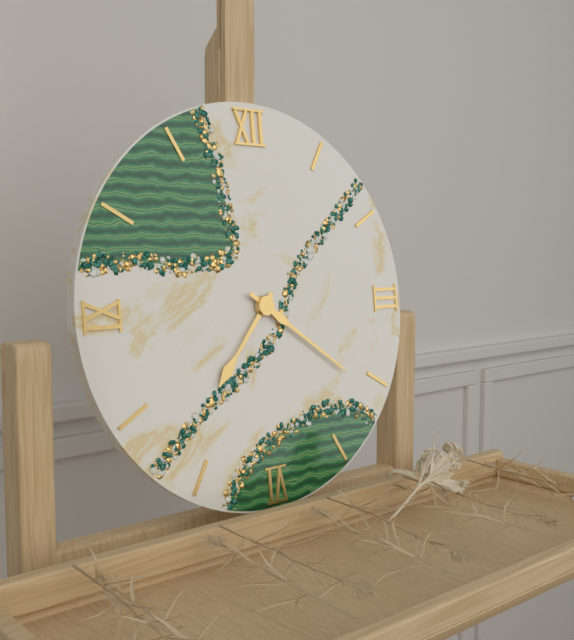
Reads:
{"hour": 7, "minute": 21}
